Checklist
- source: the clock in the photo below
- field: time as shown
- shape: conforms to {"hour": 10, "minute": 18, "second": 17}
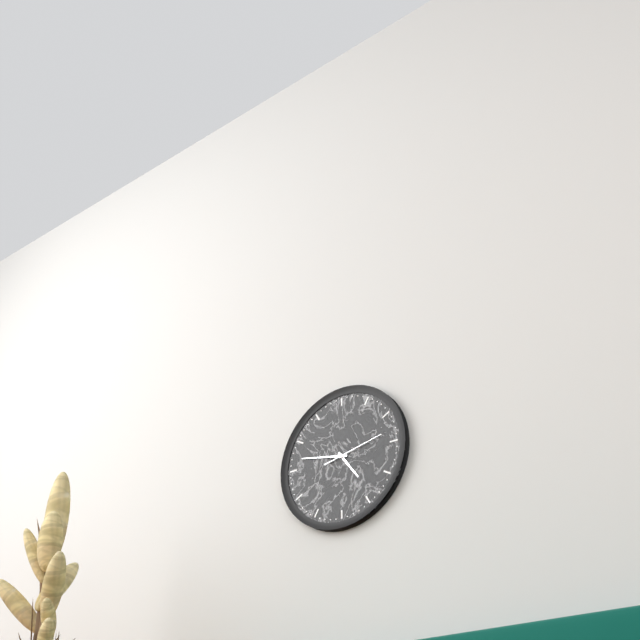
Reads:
{"hour": 4, "minute": 47, "second": 13}
